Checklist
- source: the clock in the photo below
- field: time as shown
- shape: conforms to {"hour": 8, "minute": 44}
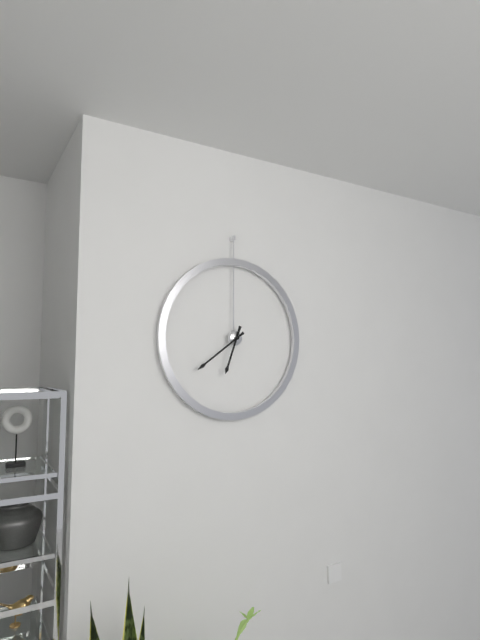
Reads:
{"hour": 6, "minute": 39}
